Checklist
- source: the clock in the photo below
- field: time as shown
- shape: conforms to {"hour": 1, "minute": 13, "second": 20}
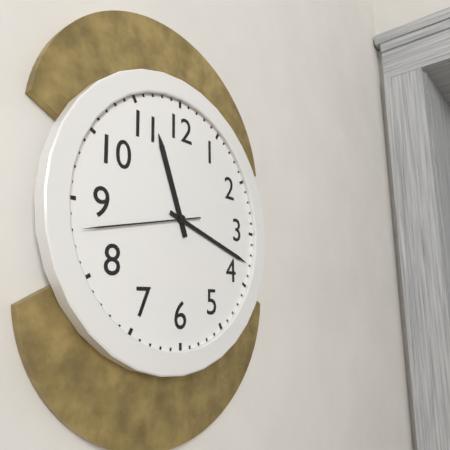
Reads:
{"hour": 11, "minute": 18, "second": 43}
